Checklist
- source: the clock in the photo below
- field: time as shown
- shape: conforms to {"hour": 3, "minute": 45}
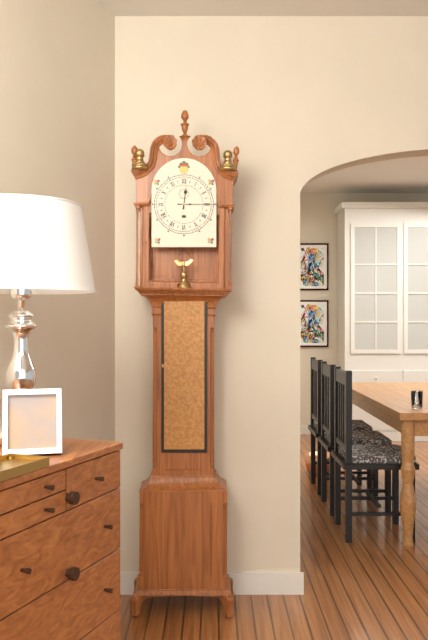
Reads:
{"hour": 12, "minute": 15}
